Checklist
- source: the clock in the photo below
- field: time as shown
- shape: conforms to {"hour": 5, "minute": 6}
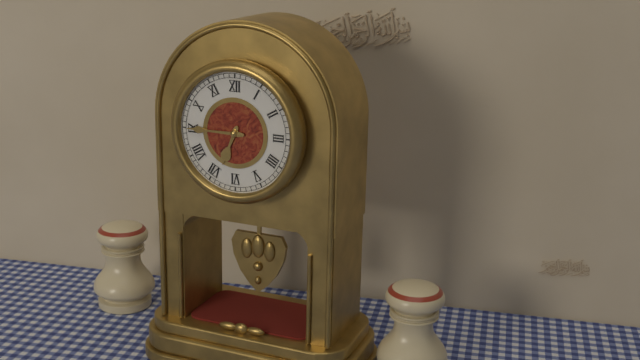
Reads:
{"hour": 6, "minute": 45}
